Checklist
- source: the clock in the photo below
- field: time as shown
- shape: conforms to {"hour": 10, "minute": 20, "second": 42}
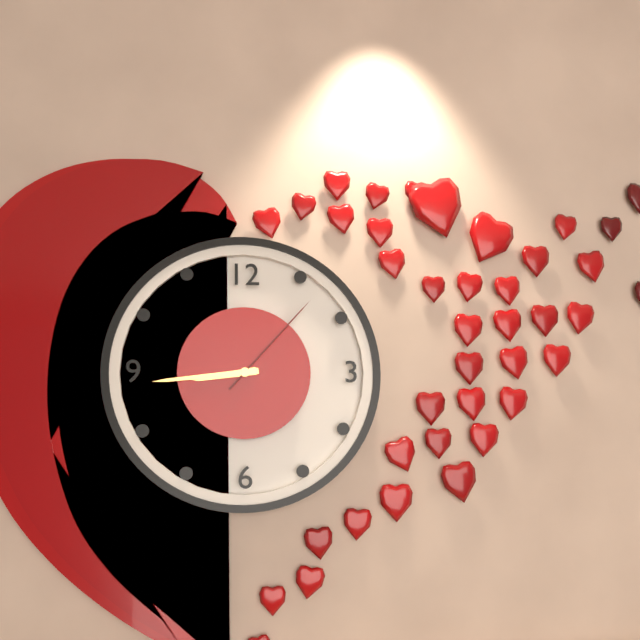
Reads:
{"hour": 8, "minute": 44, "second": 7}
